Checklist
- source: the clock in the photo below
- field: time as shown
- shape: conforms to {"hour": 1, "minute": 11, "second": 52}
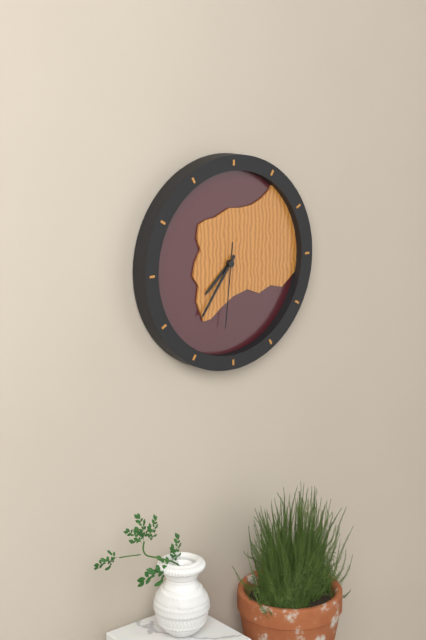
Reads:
{"hour": 7, "minute": 36, "second": 31}
